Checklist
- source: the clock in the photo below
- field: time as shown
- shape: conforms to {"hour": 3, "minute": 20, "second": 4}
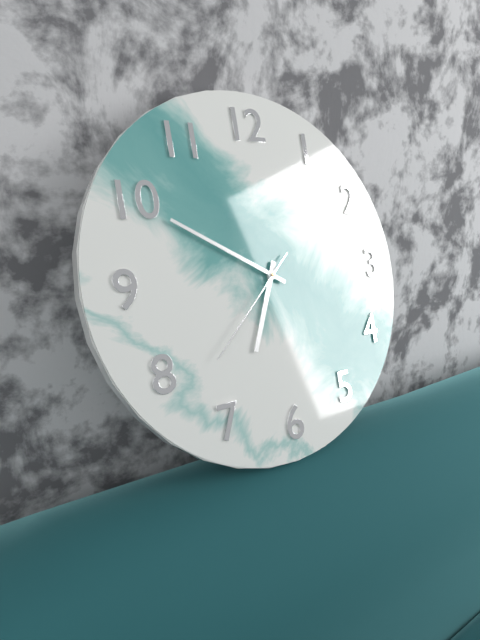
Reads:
{"hour": 6, "minute": 50, "second": 38}
